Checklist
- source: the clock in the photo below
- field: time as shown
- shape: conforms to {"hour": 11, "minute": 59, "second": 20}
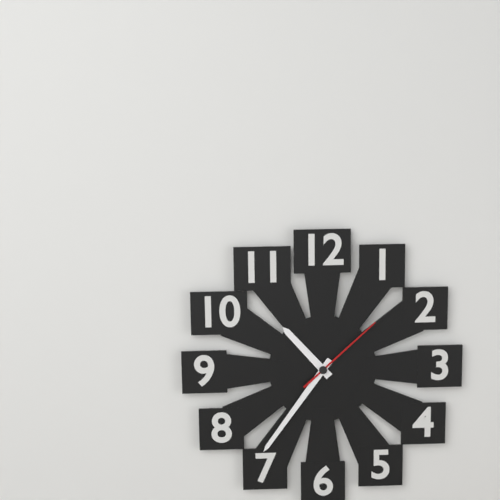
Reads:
{"hour": 10, "minute": 36, "second": 8}
